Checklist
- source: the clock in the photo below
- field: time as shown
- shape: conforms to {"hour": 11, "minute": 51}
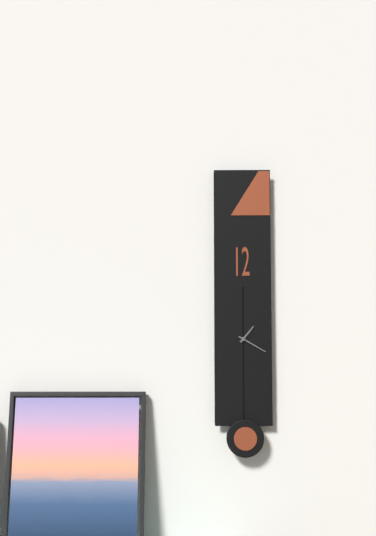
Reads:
{"hour": 1, "minute": 20}
